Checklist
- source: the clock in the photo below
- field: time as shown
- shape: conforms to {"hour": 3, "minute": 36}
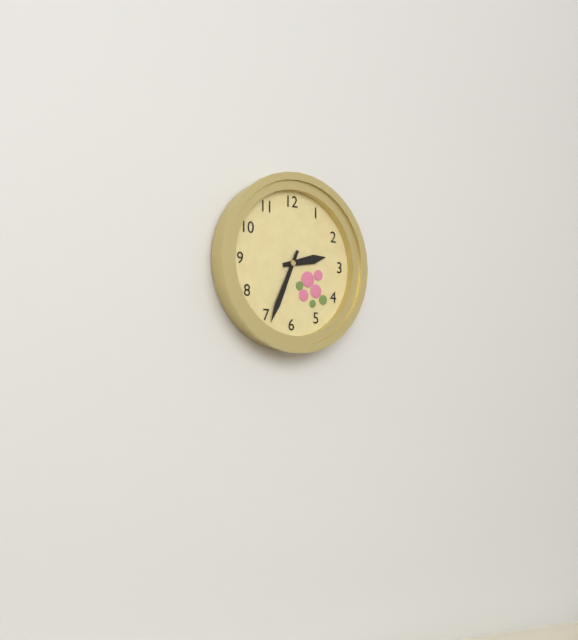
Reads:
{"hour": 2, "minute": 34}
